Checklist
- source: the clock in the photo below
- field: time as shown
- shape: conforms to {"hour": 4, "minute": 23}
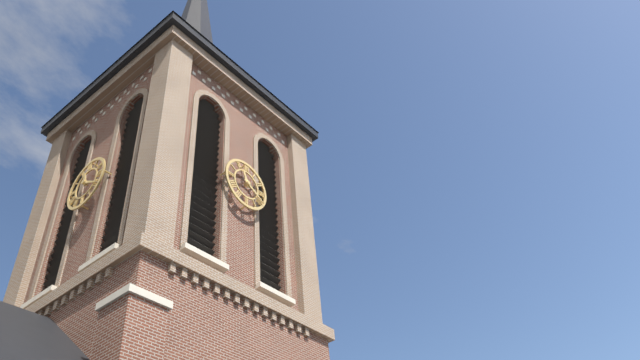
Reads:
{"hour": 11, "minute": 20}
